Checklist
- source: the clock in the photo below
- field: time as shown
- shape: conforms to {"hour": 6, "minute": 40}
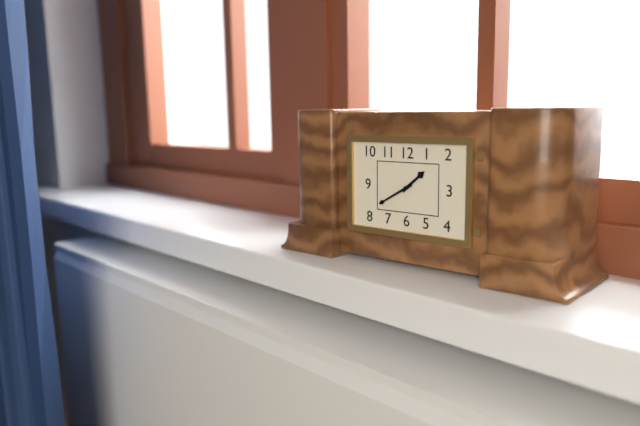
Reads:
{"hour": 1, "minute": 40}
